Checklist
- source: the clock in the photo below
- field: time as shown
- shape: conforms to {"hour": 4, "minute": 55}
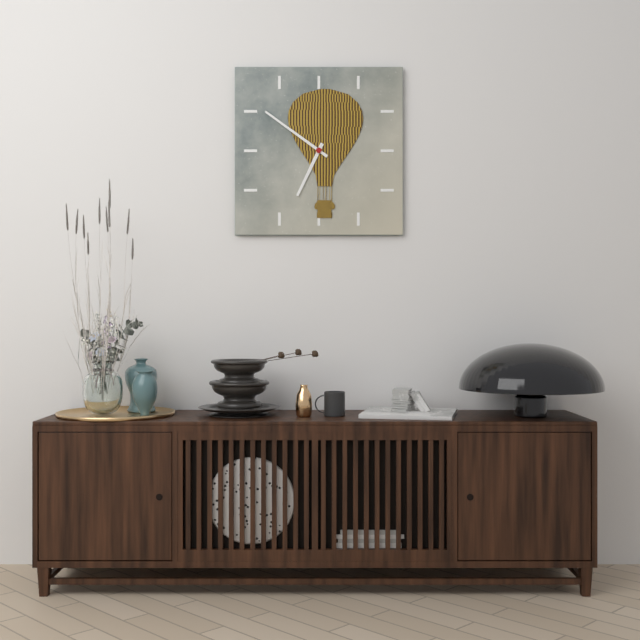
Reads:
{"hour": 6, "minute": 51}
